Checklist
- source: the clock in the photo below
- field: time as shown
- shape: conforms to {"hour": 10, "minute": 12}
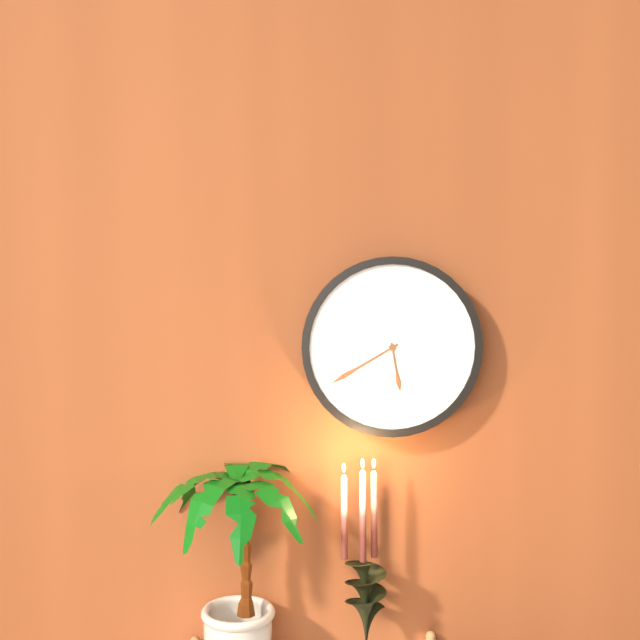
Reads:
{"hour": 5, "minute": 40}
